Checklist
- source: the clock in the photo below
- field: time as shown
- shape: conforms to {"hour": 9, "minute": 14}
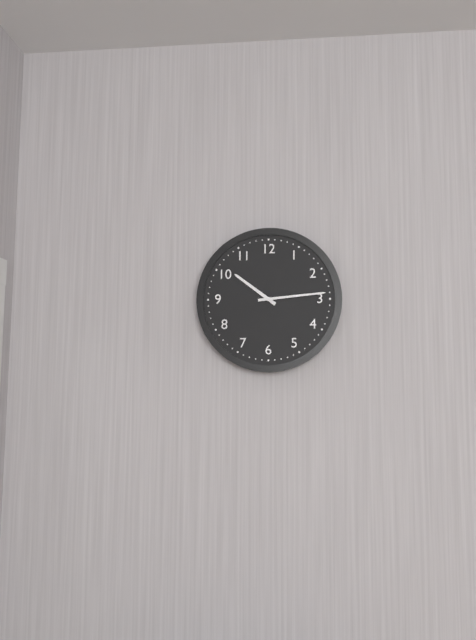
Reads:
{"hour": 10, "minute": 14}
